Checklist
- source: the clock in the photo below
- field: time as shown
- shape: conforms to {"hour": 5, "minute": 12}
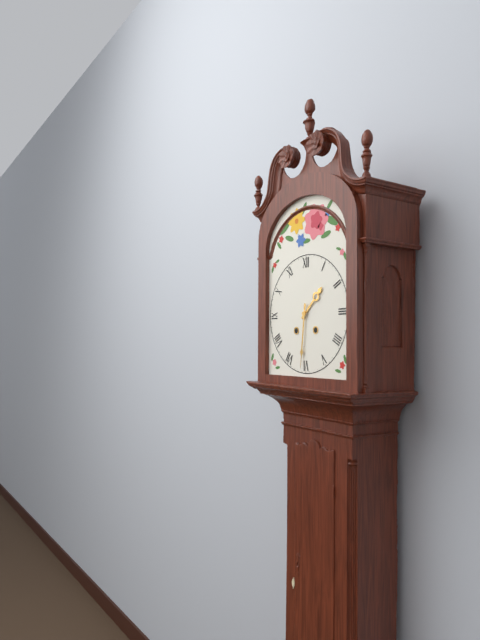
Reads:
{"hour": 1, "minute": 31}
